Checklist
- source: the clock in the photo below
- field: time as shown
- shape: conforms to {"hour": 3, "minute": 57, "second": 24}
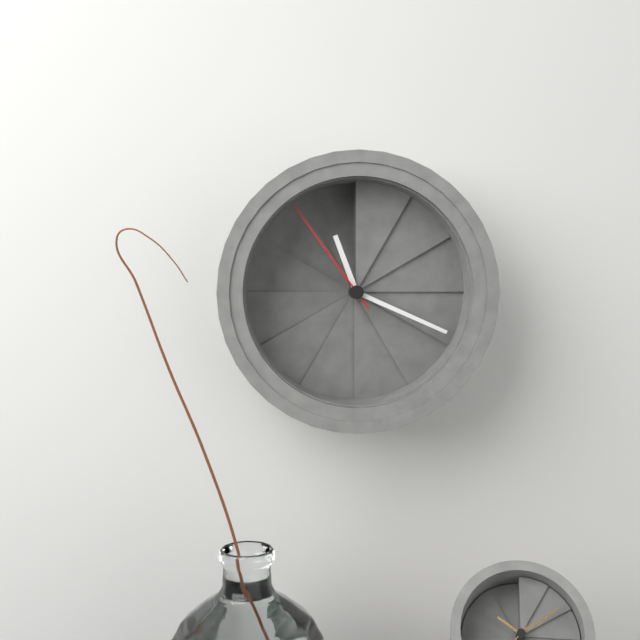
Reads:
{"hour": 11, "minute": 19, "second": 54}
